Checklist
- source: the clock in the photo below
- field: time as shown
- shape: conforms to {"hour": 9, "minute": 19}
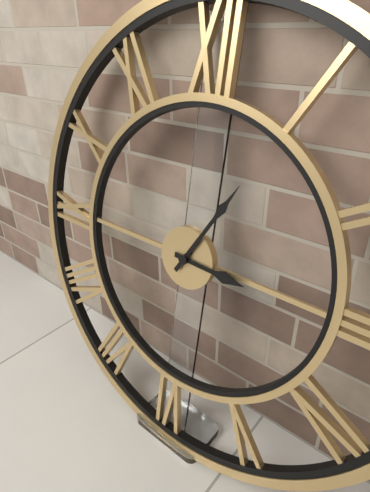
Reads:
{"hour": 3, "minute": 5}
